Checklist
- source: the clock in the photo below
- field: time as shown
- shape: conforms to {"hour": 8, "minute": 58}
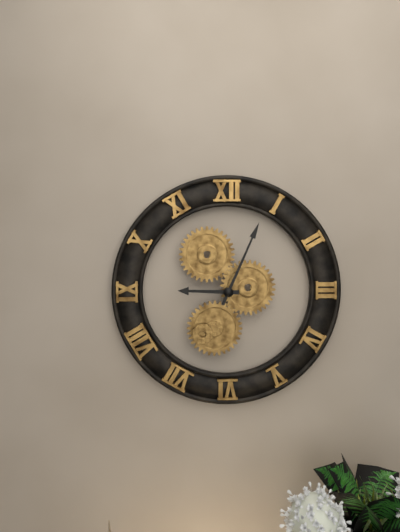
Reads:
{"hour": 9, "minute": 4}
